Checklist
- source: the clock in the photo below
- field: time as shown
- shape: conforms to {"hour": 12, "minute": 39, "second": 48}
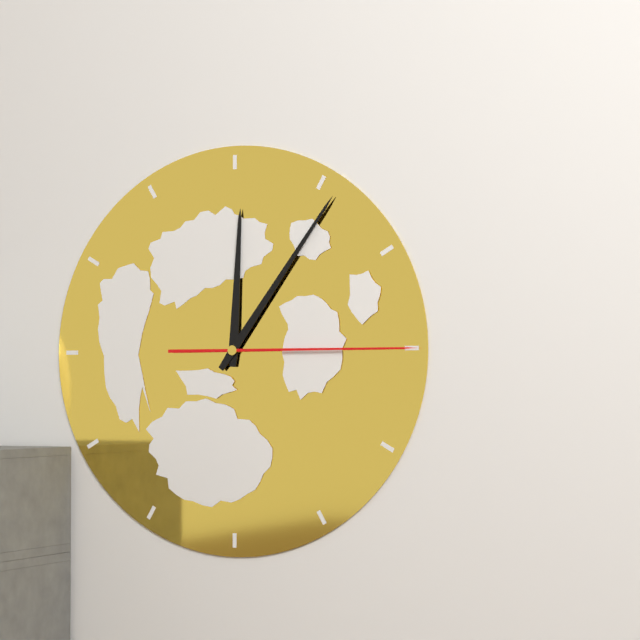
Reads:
{"hour": 12, "minute": 6, "second": 15}
